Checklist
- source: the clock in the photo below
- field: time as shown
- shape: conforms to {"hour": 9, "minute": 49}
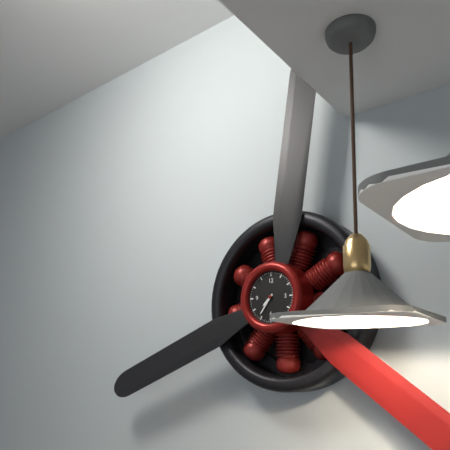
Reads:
{"hour": 7, "minute": 36}
